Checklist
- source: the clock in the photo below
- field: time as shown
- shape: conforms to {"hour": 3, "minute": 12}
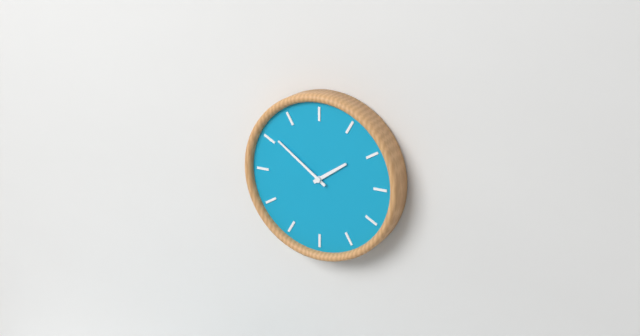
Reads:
{"hour": 1, "minute": 51}
